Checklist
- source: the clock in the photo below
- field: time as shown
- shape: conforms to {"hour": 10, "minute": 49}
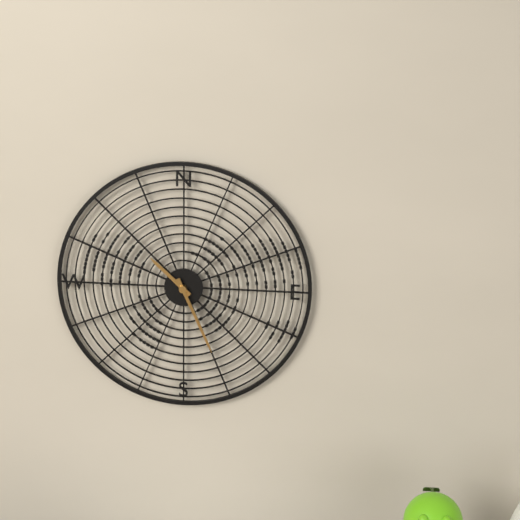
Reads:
{"hour": 10, "minute": 26}
